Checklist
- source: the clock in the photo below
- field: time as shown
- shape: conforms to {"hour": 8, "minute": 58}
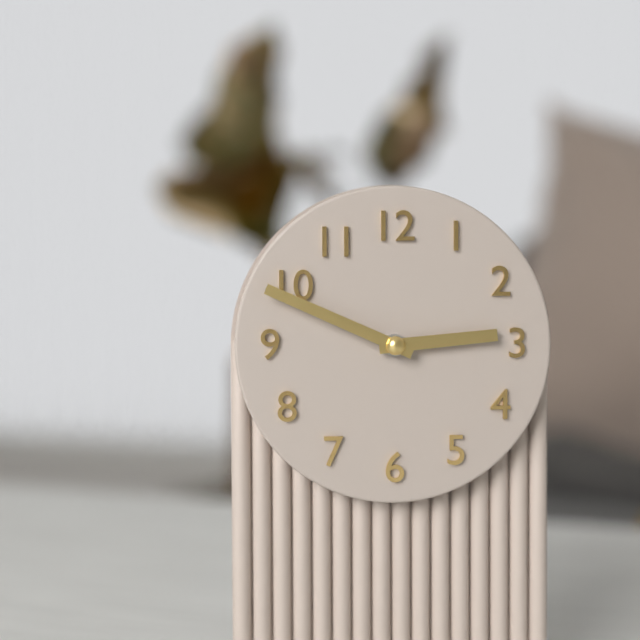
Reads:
{"hour": 2, "minute": 49}
